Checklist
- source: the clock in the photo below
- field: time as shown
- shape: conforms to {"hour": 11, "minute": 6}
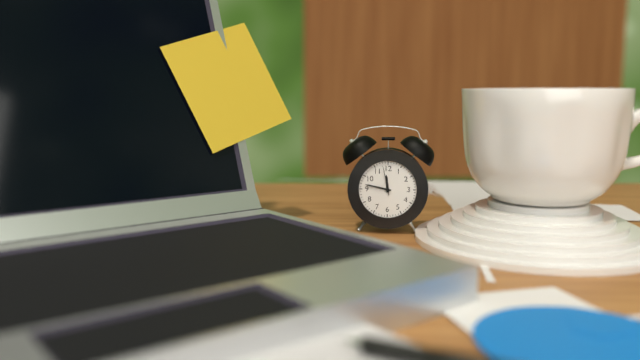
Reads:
{"hour": 11, "minute": 47}
